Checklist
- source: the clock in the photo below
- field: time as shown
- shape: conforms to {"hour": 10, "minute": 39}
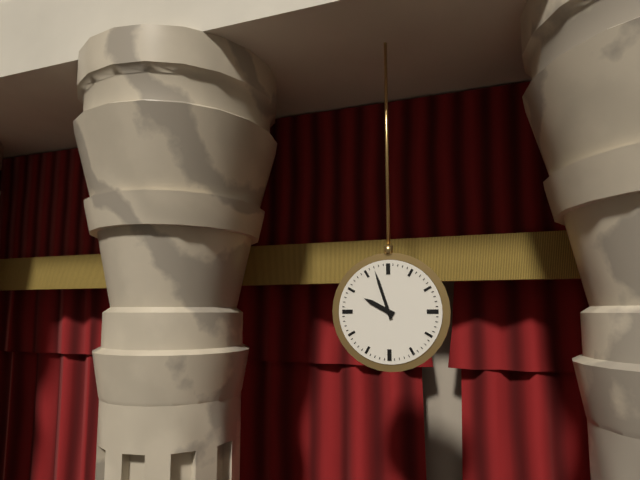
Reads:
{"hour": 9, "minute": 57}
